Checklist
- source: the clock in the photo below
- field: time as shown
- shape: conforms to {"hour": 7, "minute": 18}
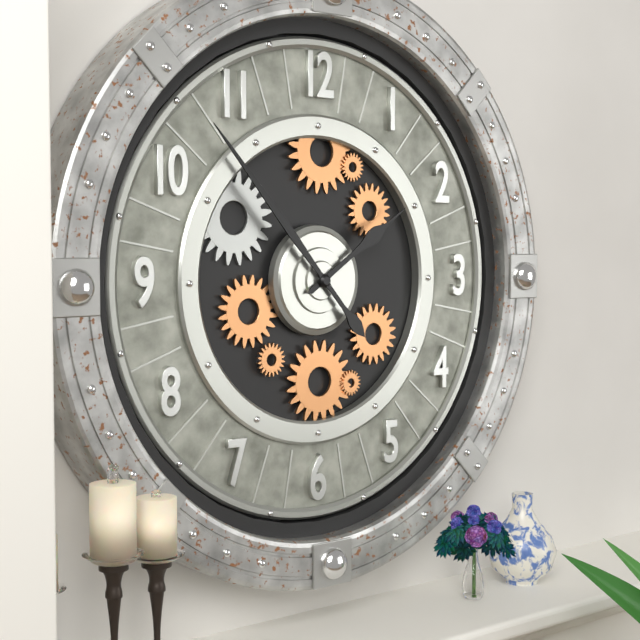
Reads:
{"hour": 1, "minute": 53}
